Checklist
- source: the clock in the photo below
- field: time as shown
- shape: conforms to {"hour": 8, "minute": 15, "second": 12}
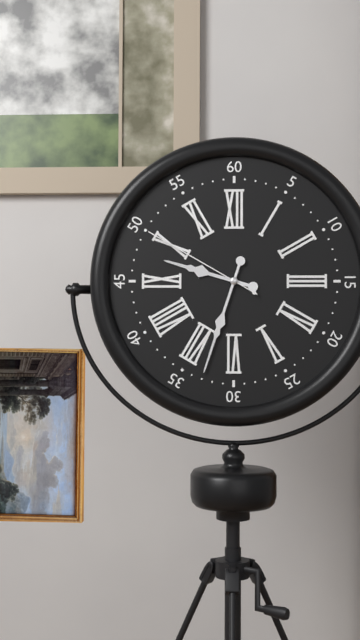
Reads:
{"hour": 9, "minute": 33, "second": 50}
